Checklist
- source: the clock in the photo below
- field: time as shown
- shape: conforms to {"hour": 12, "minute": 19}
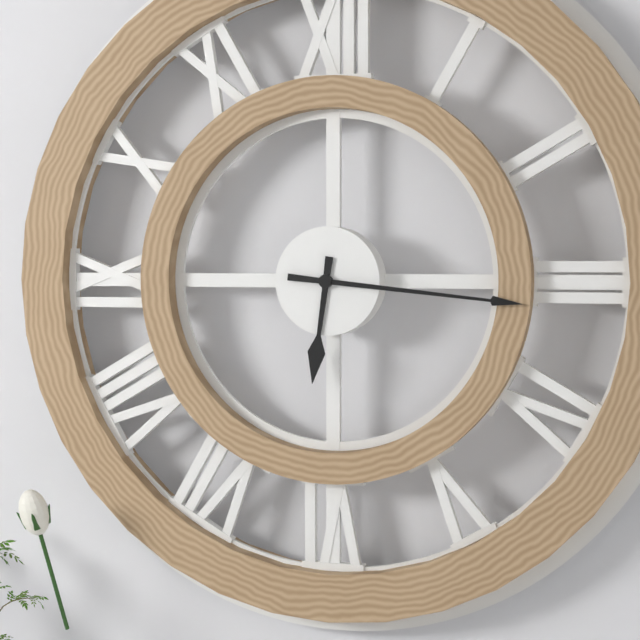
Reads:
{"hour": 6, "minute": 16}
